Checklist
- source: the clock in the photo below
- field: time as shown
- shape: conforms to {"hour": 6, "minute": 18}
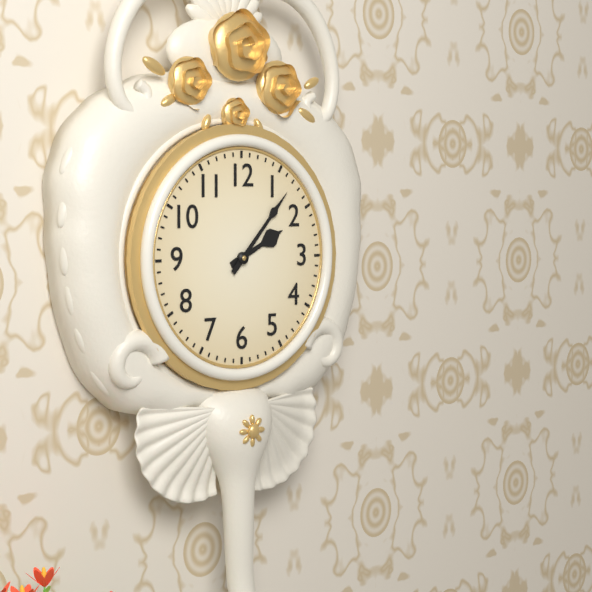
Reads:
{"hour": 2, "minute": 7}
